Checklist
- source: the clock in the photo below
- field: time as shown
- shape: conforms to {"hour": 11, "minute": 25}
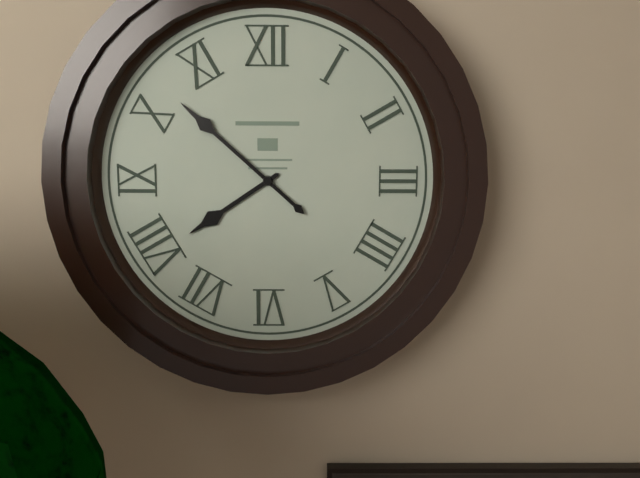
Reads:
{"hour": 7, "minute": 52}
